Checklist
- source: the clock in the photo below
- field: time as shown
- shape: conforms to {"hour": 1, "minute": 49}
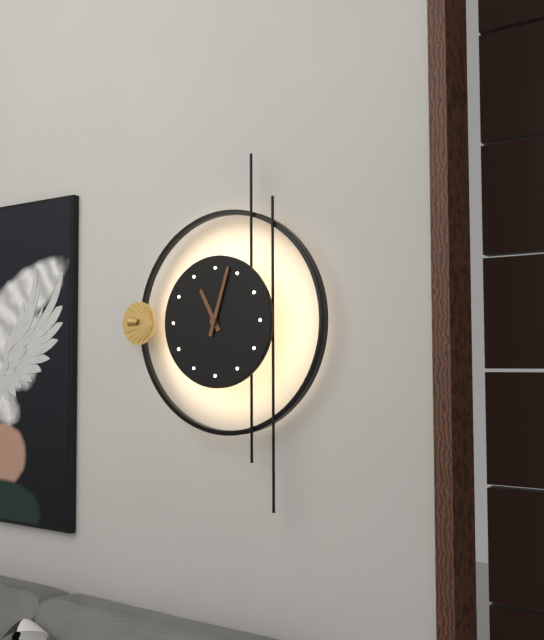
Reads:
{"hour": 11, "minute": 3}
